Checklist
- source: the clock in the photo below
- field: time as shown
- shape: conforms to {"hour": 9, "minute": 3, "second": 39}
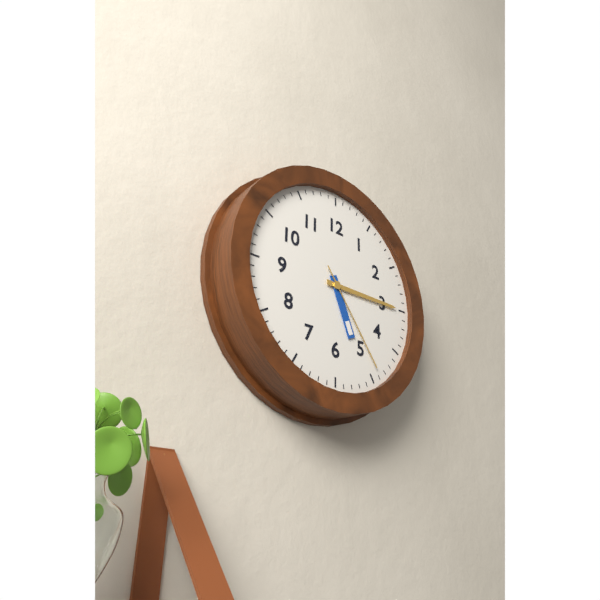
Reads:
{"hour": 5, "minute": 15, "second": 24}
